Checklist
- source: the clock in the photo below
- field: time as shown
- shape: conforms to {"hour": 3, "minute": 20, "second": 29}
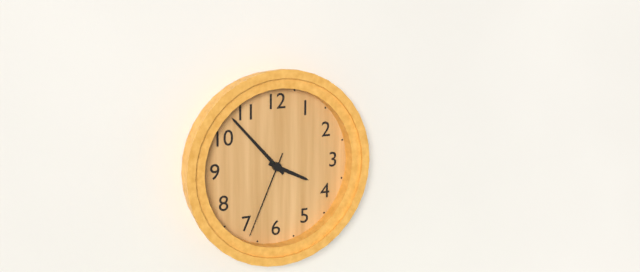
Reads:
{"hour": 3, "minute": 53, "second": 34}
